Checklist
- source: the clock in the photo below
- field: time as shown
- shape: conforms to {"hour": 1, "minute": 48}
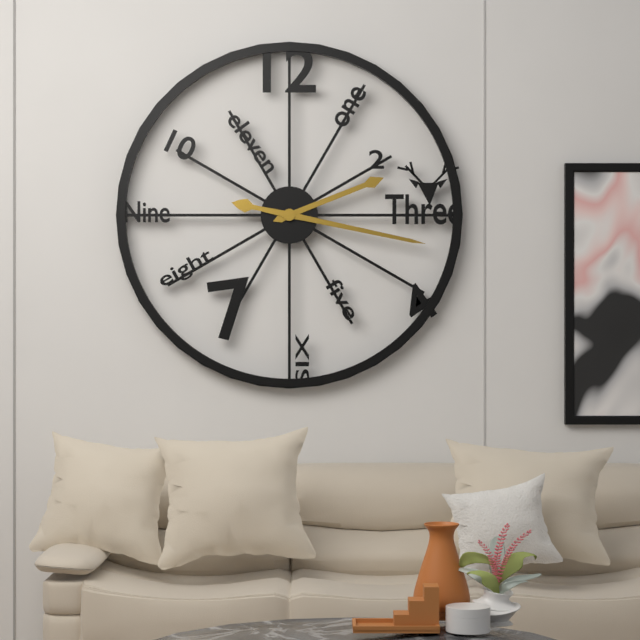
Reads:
{"hour": 2, "minute": 17}
